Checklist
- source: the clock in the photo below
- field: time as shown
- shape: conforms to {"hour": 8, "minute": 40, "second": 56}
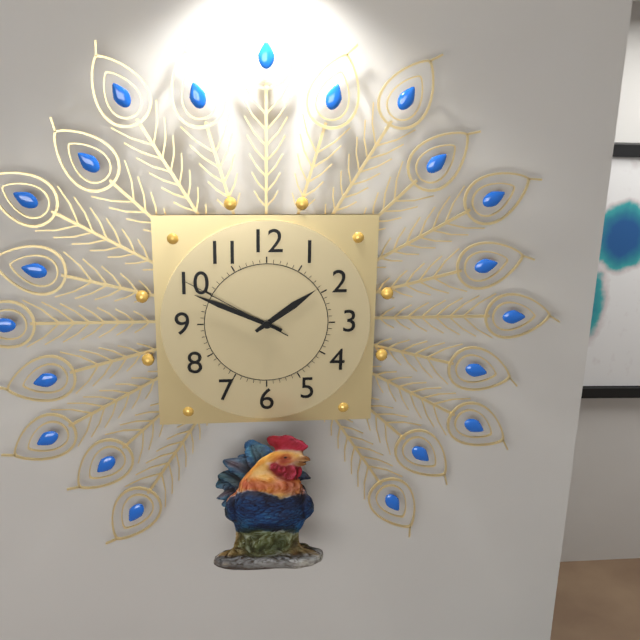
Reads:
{"hour": 1, "minute": 49, "second": 50}
